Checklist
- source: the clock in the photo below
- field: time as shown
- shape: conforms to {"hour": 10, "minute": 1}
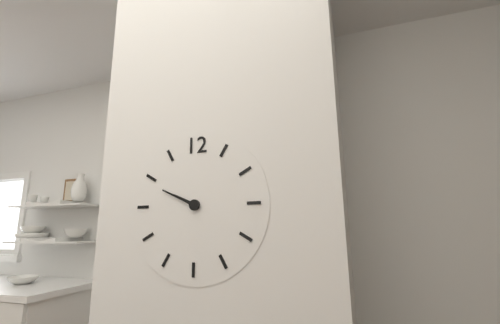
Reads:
{"hour": 9, "minute": 49}
